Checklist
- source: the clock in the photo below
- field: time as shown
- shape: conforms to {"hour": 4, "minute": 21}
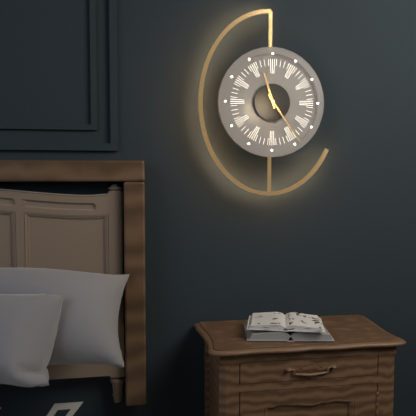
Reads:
{"hour": 11, "minute": 24}
